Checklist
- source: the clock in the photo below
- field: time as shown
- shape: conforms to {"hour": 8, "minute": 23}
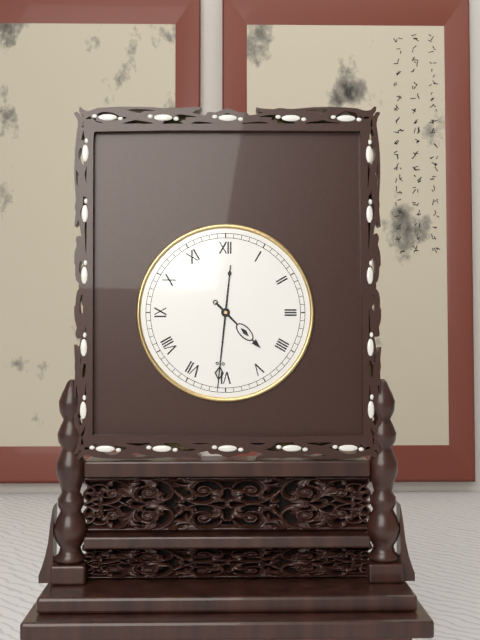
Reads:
{"hour": 4, "minute": 31}
